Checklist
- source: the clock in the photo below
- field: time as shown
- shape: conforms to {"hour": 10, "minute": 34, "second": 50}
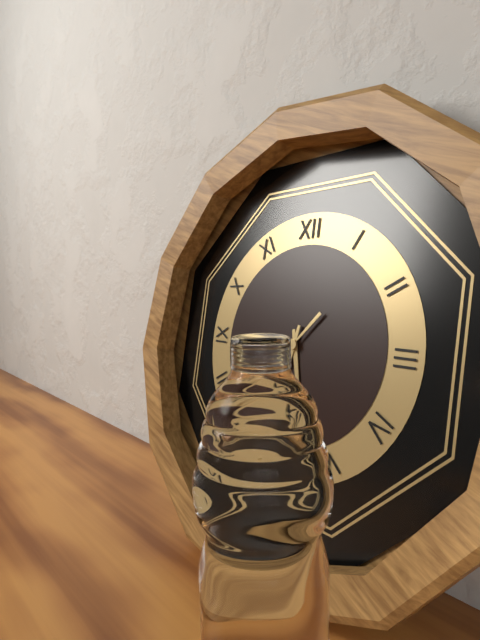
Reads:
{"hour": 5, "minute": 32, "second": 37}
